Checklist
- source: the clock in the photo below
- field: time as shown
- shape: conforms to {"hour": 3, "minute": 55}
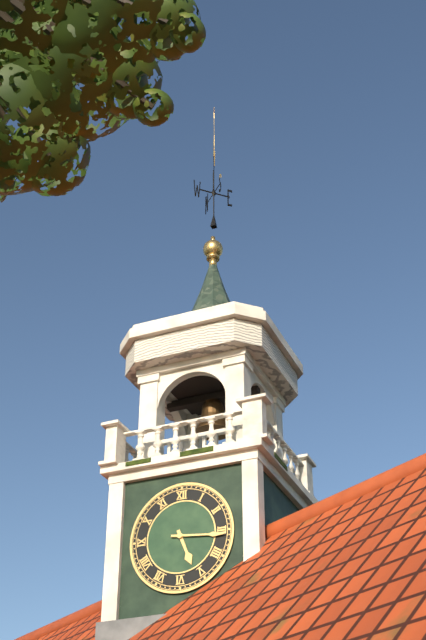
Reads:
{"hour": 5, "minute": 16}
